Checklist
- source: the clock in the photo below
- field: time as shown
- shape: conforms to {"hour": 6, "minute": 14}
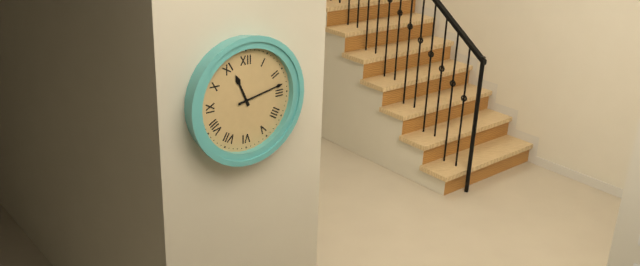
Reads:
{"hour": 11, "minute": 13}
